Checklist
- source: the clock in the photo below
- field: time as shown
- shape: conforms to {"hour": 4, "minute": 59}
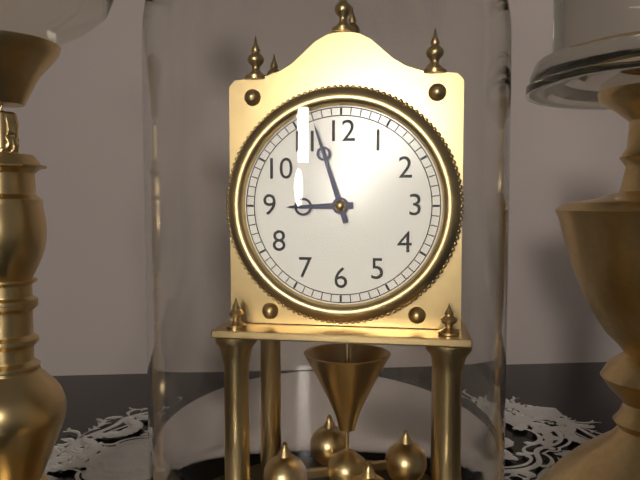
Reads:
{"hour": 8, "minute": 57}
